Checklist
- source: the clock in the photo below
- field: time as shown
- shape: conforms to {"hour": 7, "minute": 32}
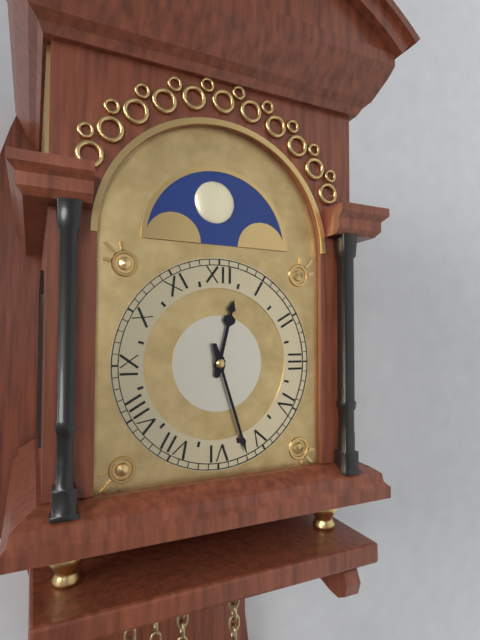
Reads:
{"hour": 12, "minute": 27}
